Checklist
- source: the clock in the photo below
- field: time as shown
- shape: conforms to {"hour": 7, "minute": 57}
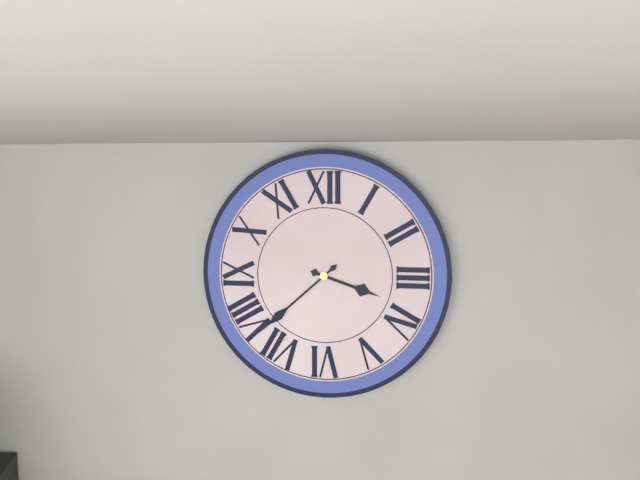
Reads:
{"hour": 3, "minute": 38}
